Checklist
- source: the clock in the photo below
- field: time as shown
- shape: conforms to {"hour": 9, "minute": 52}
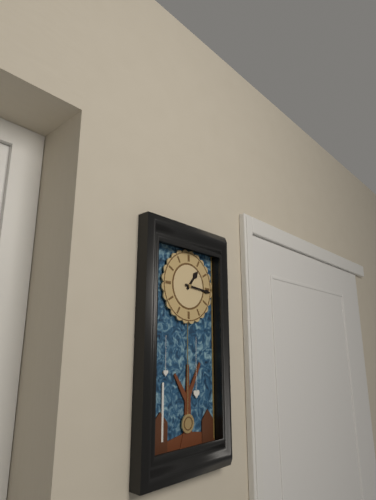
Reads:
{"hour": 1, "minute": 16}
